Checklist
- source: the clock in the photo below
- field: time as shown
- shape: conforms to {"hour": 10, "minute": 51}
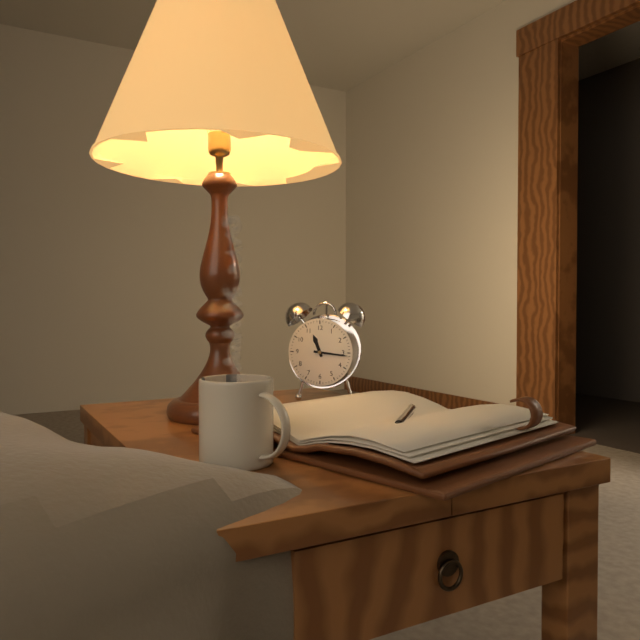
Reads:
{"hour": 11, "minute": 16}
